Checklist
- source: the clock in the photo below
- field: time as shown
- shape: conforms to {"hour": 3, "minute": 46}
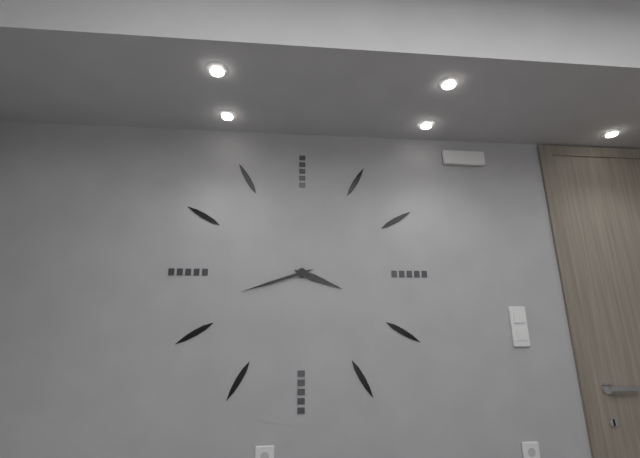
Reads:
{"hour": 3, "minute": 42}
